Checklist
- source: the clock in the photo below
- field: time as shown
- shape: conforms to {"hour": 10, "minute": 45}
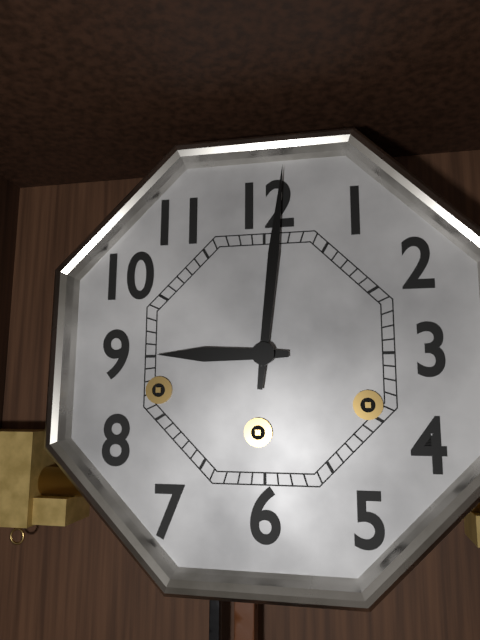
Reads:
{"hour": 9, "minute": 1}
